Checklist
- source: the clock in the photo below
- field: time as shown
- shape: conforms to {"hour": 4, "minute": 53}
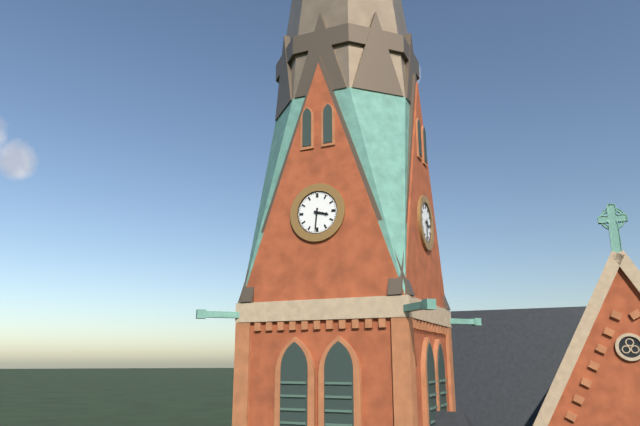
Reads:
{"hour": 3, "minute": 31}
